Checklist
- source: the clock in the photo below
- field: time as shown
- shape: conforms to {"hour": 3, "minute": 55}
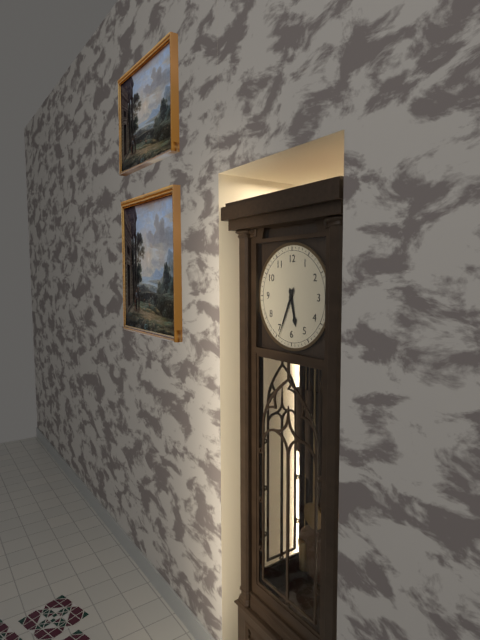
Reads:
{"hour": 5, "minute": 34}
